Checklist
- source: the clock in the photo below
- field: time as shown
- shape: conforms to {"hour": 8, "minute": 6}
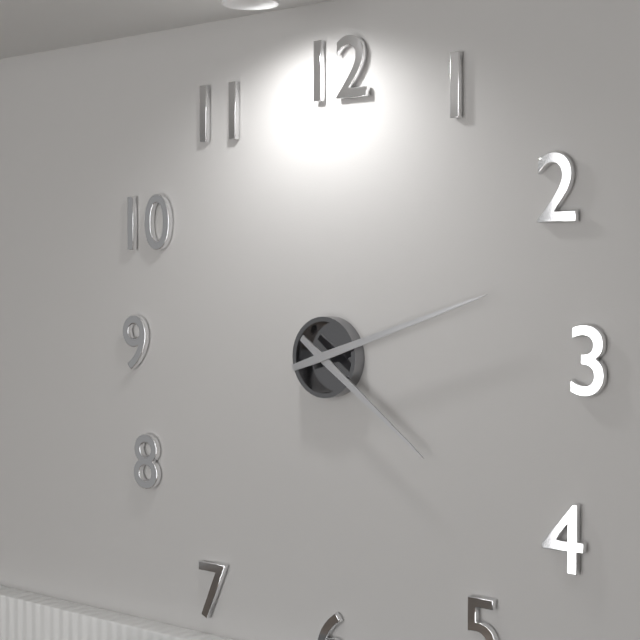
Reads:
{"hour": 4, "minute": 12}
